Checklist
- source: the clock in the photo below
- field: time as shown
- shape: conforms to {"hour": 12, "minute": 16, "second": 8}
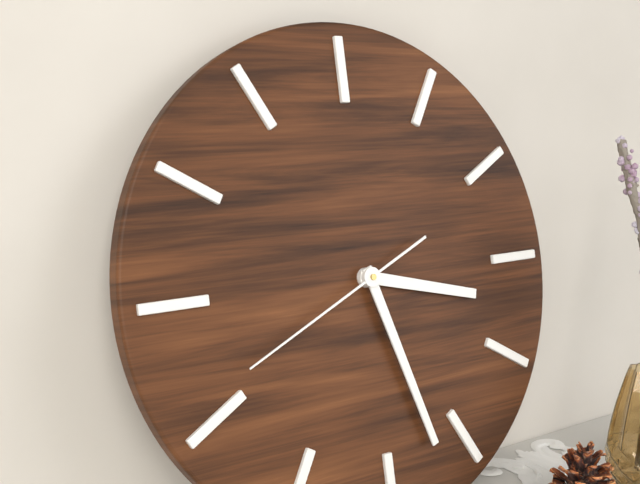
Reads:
{"hour": 3, "minute": 27, "second": 41}
